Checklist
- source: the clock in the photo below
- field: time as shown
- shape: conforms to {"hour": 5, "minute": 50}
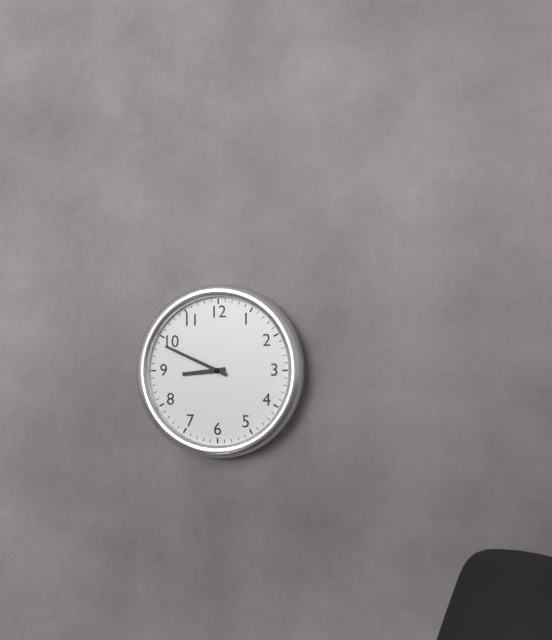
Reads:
{"hour": 8, "minute": 49}
